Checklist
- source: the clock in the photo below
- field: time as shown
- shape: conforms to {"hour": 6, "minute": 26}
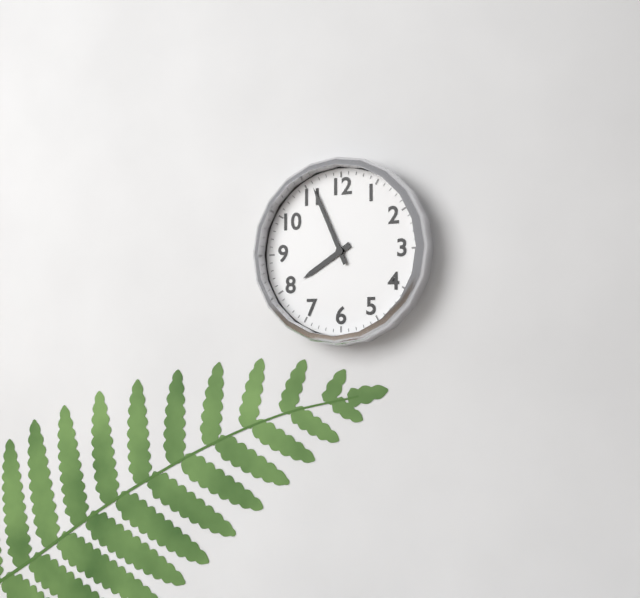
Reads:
{"hour": 7, "minute": 56}
